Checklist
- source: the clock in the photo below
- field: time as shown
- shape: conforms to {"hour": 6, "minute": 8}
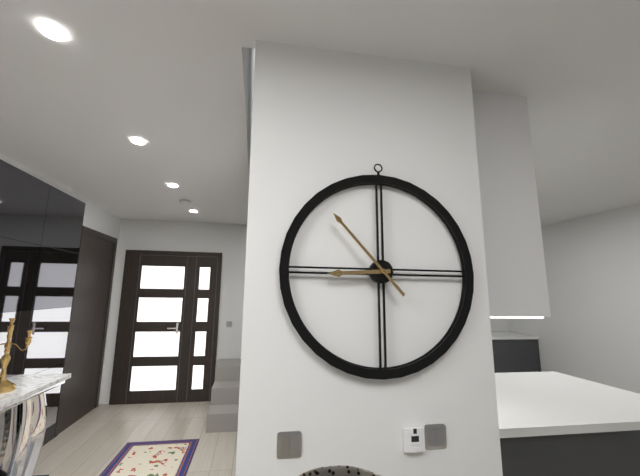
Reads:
{"hour": 8, "minute": 53}
